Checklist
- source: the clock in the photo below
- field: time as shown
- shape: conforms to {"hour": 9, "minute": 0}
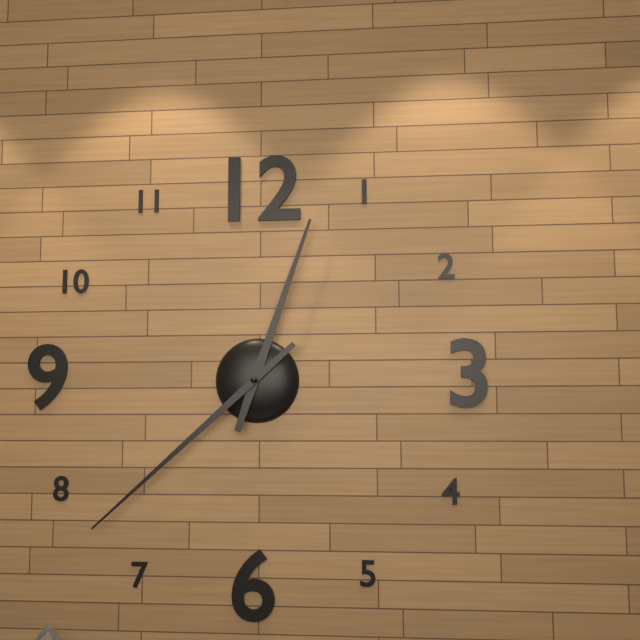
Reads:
{"hour": 12, "minute": 38}
